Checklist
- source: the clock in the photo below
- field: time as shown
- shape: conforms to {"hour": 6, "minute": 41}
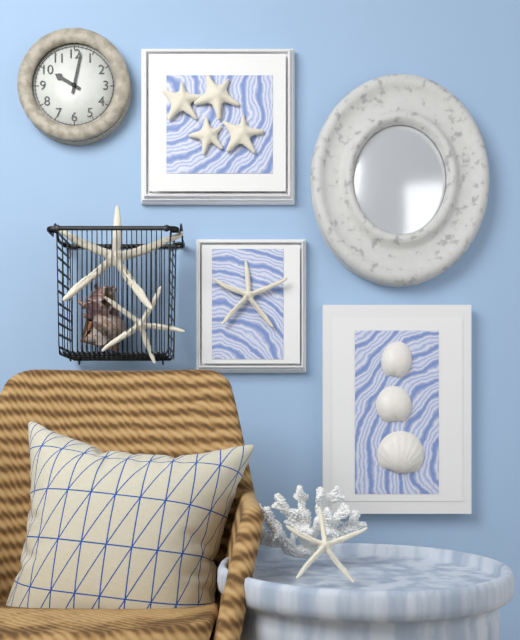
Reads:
{"hour": 10, "minute": 2}
